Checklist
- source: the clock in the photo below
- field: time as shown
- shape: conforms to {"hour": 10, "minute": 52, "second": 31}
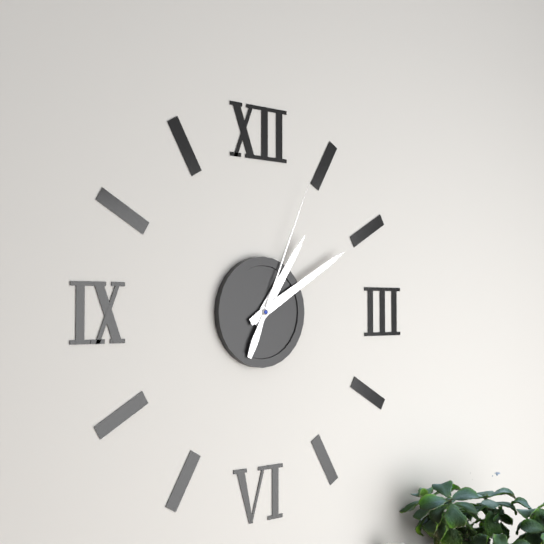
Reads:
{"hour": 1, "minute": 10, "second": 4}
